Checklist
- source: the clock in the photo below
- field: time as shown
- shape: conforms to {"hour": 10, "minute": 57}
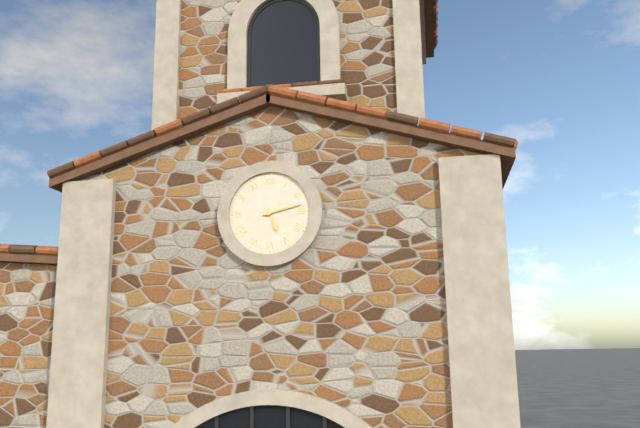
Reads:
{"hour": 5, "minute": 13}
